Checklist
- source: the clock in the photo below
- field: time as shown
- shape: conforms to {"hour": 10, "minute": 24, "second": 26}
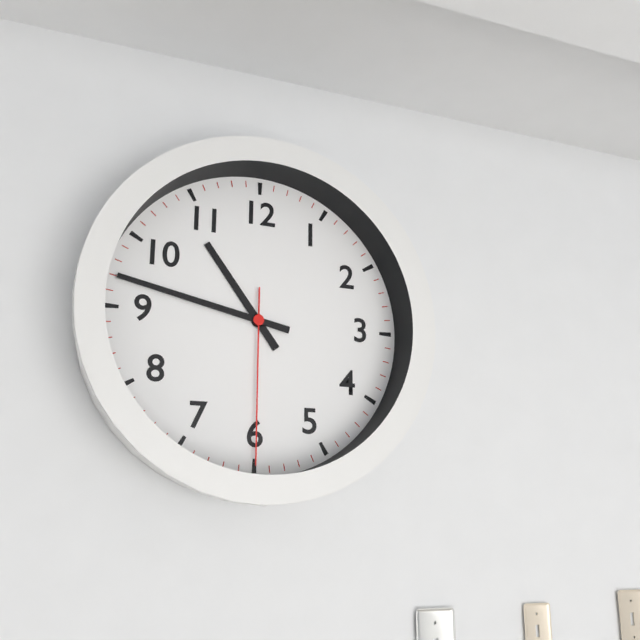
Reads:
{"hour": 10, "minute": 47, "second": 30}
